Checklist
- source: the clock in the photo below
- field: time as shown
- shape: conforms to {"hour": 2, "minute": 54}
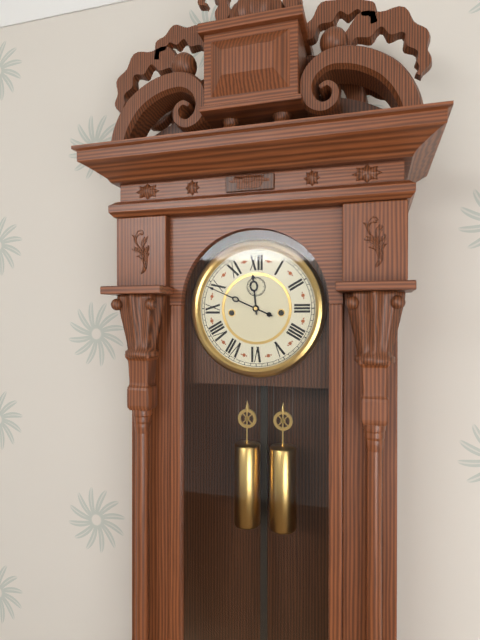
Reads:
{"hour": 11, "minute": 49}
